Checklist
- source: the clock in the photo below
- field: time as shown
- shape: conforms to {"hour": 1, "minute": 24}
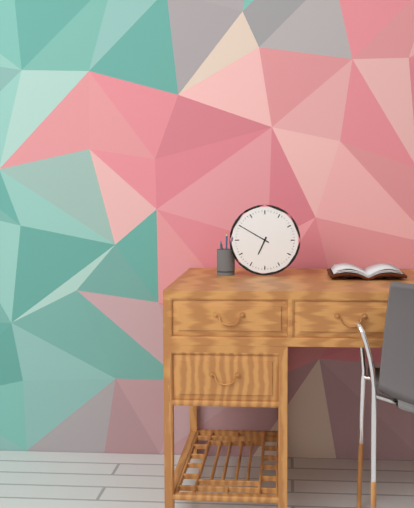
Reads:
{"hour": 6, "minute": 50}
